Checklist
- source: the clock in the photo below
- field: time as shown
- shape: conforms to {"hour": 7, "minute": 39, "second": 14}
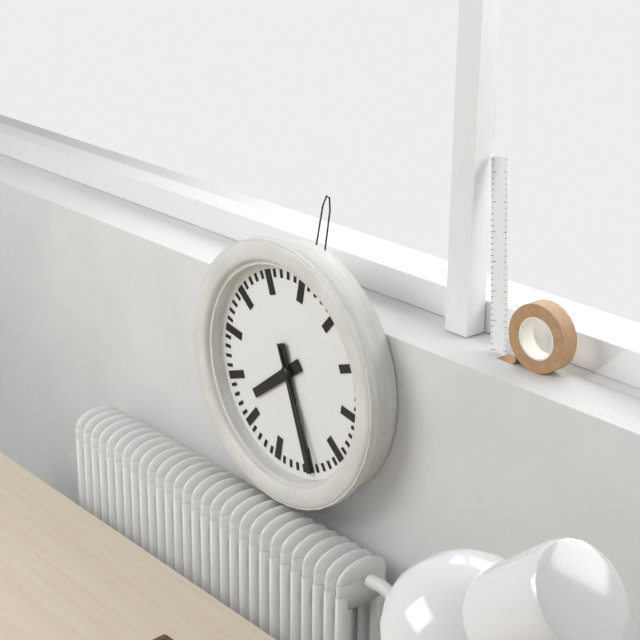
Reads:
{"hour": 7, "minute": 25, "second": 24}
